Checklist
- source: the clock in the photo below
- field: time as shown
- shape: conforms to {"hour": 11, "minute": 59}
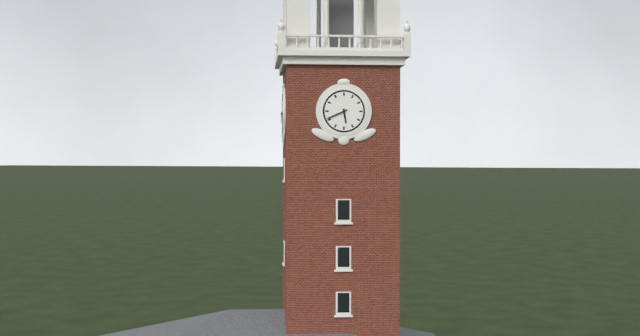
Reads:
{"hour": 5, "minute": 41}
